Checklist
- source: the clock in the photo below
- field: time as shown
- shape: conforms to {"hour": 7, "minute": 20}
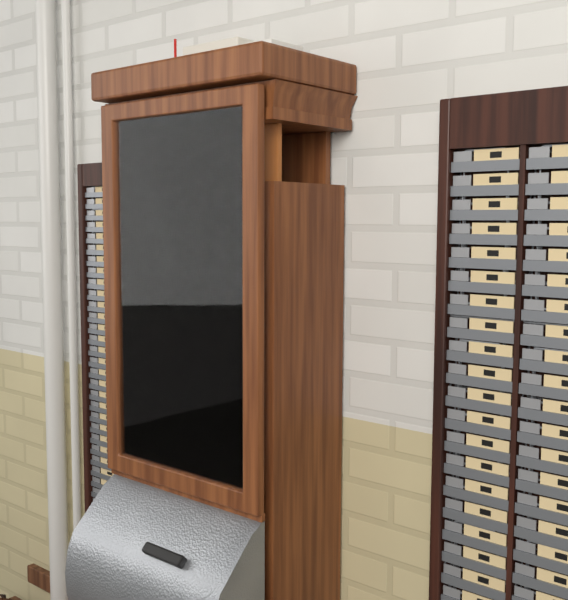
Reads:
{"hour": 1, "minute": 34}
